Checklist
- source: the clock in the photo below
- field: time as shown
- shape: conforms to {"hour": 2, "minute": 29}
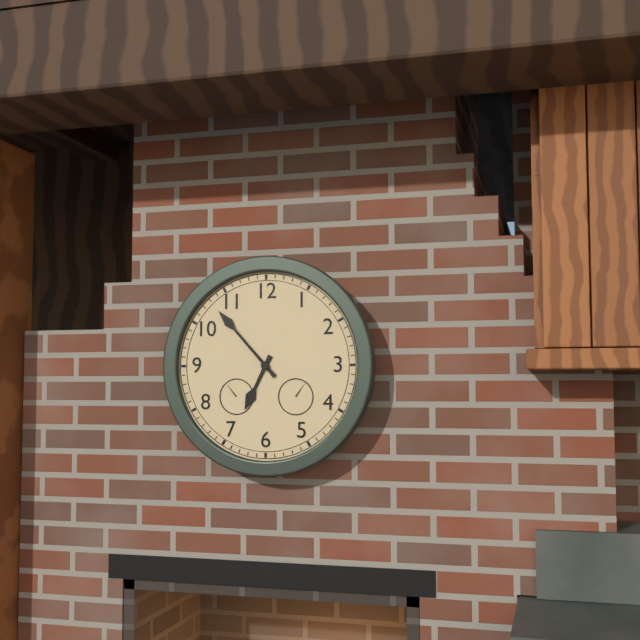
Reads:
{"hour": 6, "minute": 53}
